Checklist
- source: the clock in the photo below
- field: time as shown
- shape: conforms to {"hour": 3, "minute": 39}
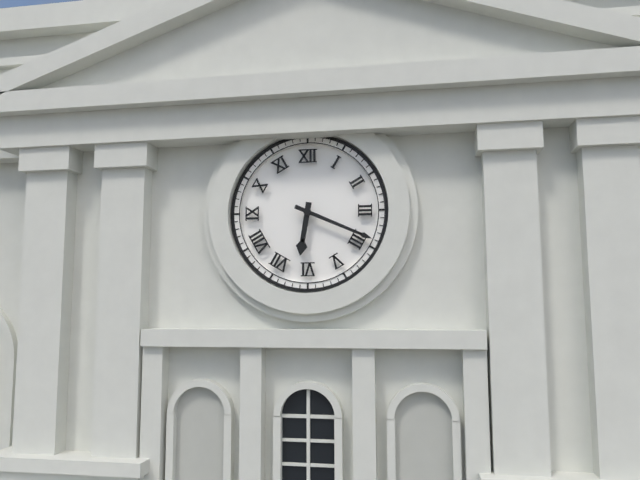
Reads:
{"hour": 6, "minute": 19}
